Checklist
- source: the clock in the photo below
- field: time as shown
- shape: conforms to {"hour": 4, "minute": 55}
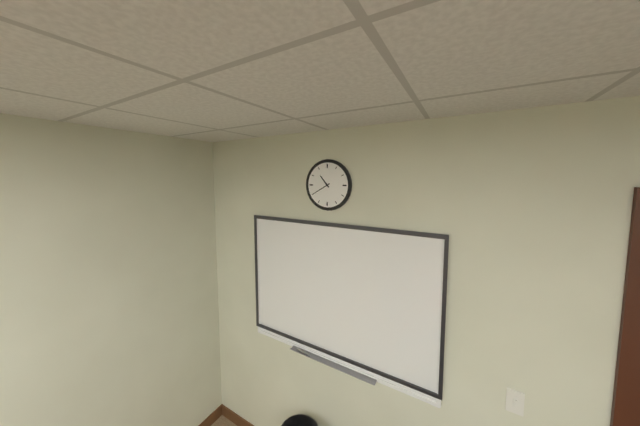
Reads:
{"hour": 10, "minute": 40}
